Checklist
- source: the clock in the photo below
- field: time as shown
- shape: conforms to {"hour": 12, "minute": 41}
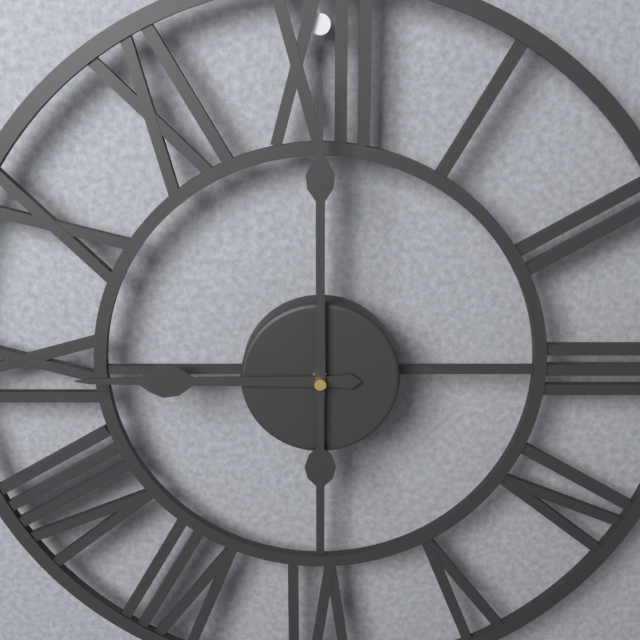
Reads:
{"hour": 9, "minute": 0}
